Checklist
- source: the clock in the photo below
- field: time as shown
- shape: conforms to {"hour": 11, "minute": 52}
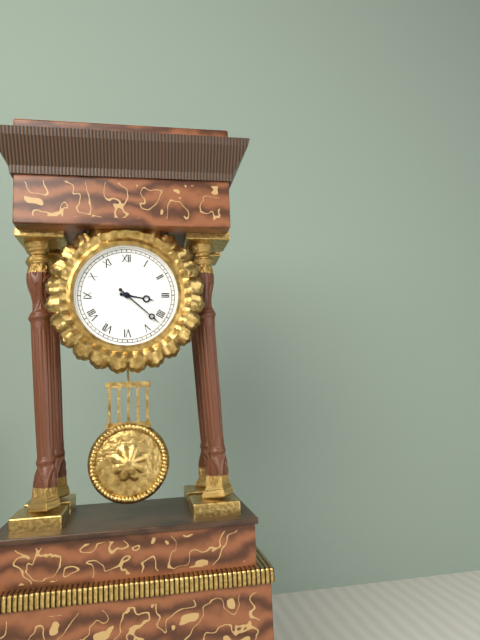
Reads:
{"hour": 3, "minute": 22}
